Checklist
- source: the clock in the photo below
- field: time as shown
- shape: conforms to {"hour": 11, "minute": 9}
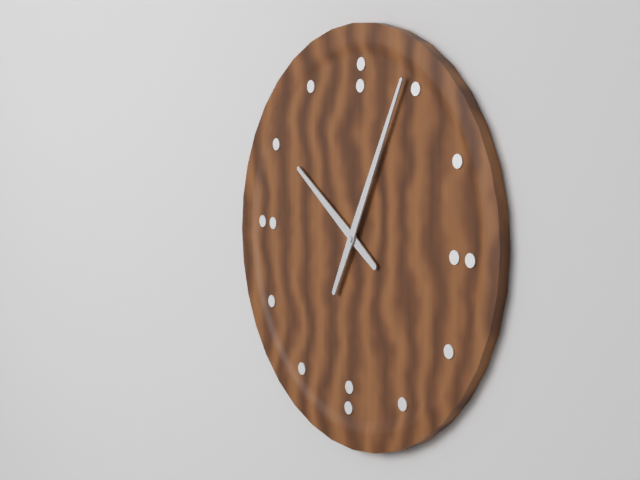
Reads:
{"hour": 10, "minute": 4}
